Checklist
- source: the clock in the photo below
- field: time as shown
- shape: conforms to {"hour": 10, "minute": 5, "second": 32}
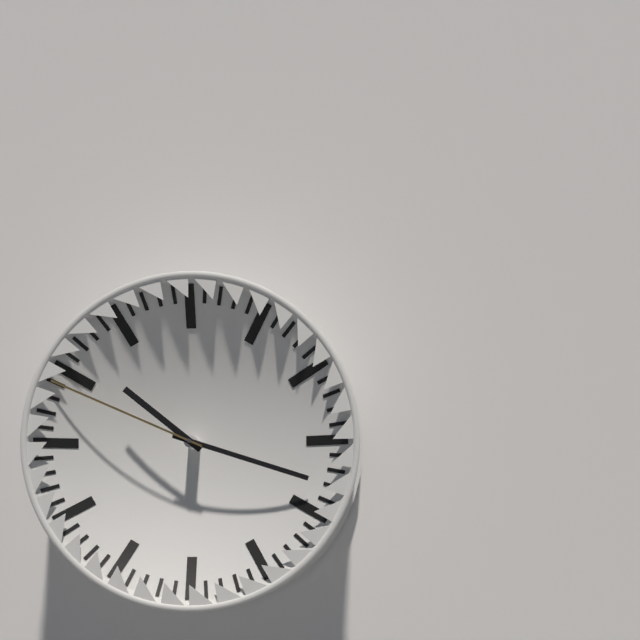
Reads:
{"hour": 10, "minute": 18, "second": 49}
